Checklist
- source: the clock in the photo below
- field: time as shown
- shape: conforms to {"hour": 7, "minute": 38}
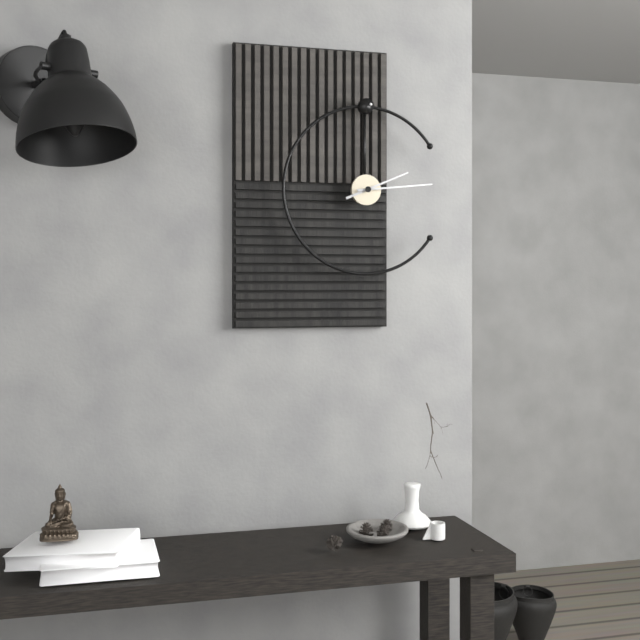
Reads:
{"hour": 2, "minute": 14}
